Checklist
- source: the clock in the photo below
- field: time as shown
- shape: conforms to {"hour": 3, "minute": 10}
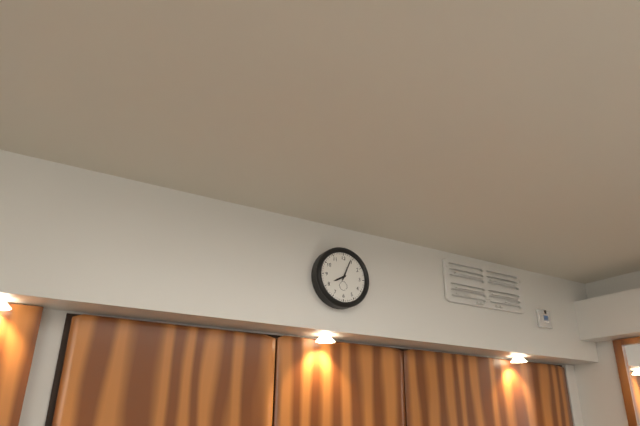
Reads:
{"hour": 8, "minute": 4}
